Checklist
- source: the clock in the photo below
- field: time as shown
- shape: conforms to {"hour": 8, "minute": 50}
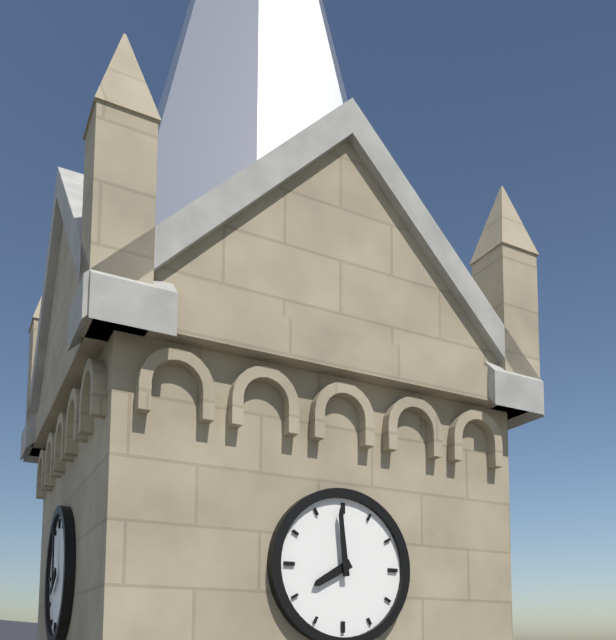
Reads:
{"hour": 7, "minute": 59}
